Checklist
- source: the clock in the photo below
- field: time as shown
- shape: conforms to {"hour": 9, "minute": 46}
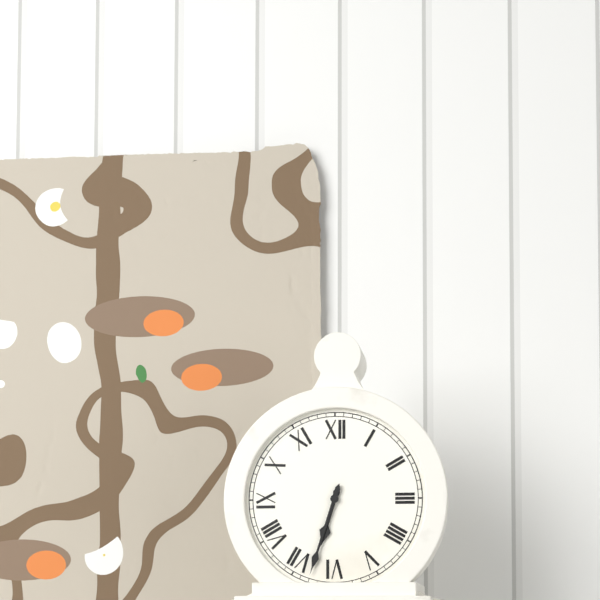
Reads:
{"hour": 6, "minute": 33}
